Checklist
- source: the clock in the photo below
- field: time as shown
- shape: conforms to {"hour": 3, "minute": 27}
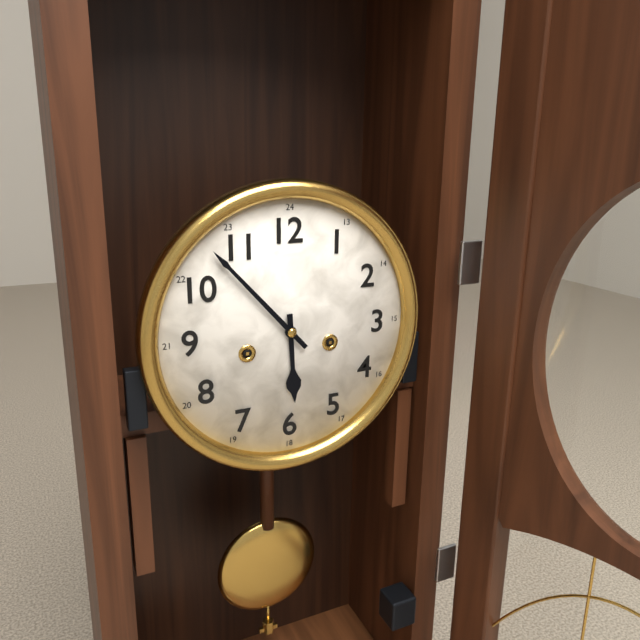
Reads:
{"hour": 5, "minute": 53}
